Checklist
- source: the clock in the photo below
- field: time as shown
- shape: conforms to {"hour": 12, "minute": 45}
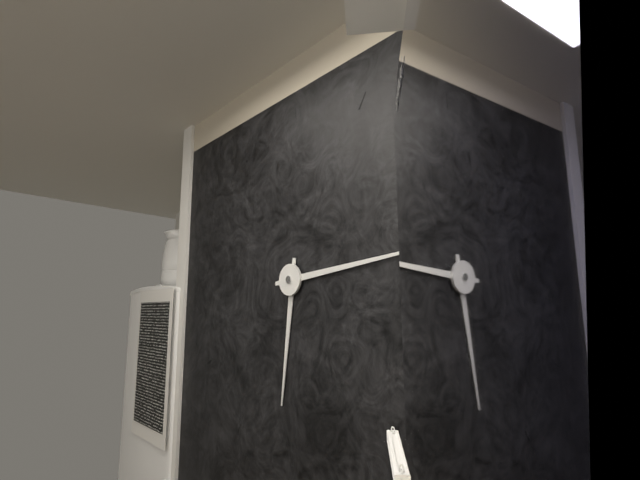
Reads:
{"hour": 6, "minute": 14}
